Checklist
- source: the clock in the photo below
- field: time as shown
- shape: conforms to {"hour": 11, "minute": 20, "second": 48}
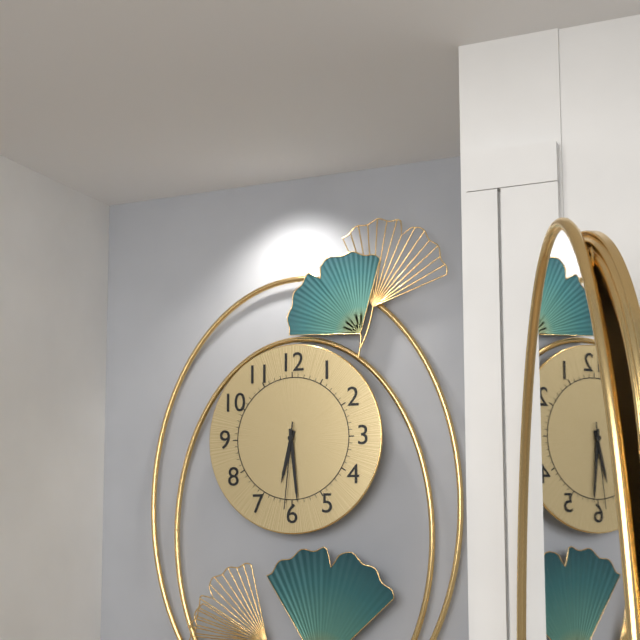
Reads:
{"hour": 6, "minute": 29, "second": 31}
